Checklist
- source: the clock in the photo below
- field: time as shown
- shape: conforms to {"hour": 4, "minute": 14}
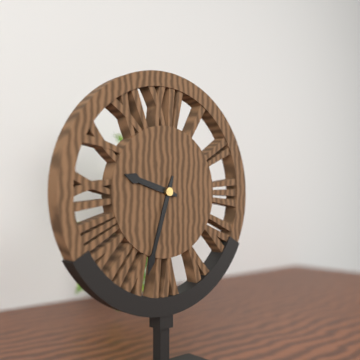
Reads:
{"hour": 9, "minute": 33}
